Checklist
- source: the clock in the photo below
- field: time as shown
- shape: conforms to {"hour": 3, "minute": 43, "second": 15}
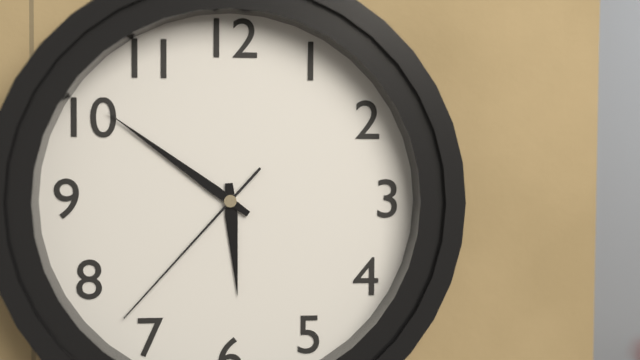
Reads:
{"hour": 5, "minute": 51, "second": 37}
